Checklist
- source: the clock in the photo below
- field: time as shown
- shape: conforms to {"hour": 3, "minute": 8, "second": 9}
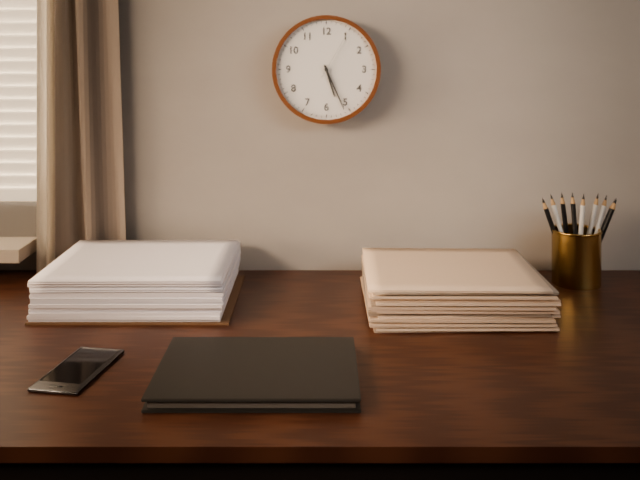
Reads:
{"hour": 5, "minute": 26, "second": 5}
